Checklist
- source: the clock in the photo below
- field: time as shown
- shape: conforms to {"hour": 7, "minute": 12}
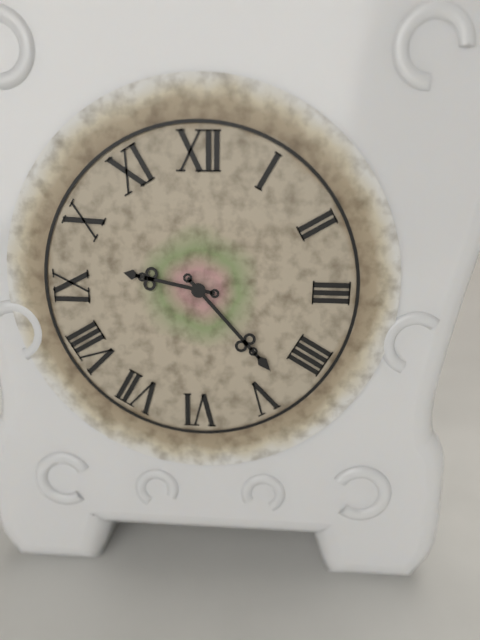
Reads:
{"hour": 9, "minute": 23}
